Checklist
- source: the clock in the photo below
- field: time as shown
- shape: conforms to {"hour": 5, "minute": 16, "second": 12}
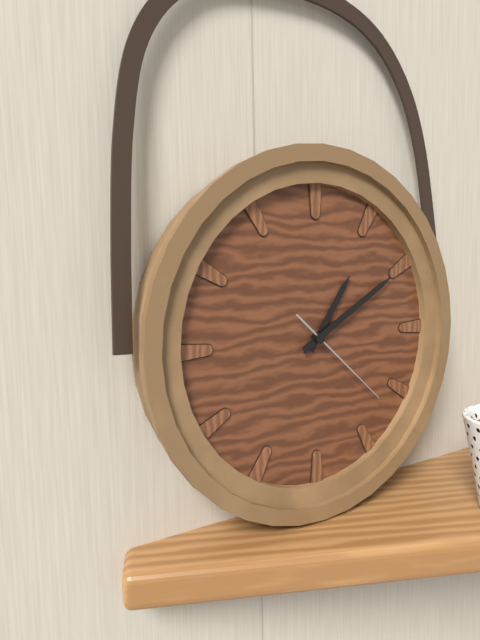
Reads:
{"hour": 1, "minute": 10, "second": 22}
